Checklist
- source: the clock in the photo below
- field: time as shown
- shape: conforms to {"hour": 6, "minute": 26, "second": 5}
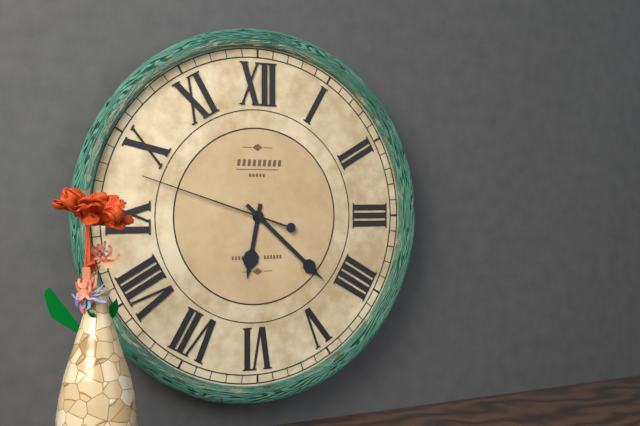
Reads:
{"hour": 6, "minute": 22, "second": 48}
